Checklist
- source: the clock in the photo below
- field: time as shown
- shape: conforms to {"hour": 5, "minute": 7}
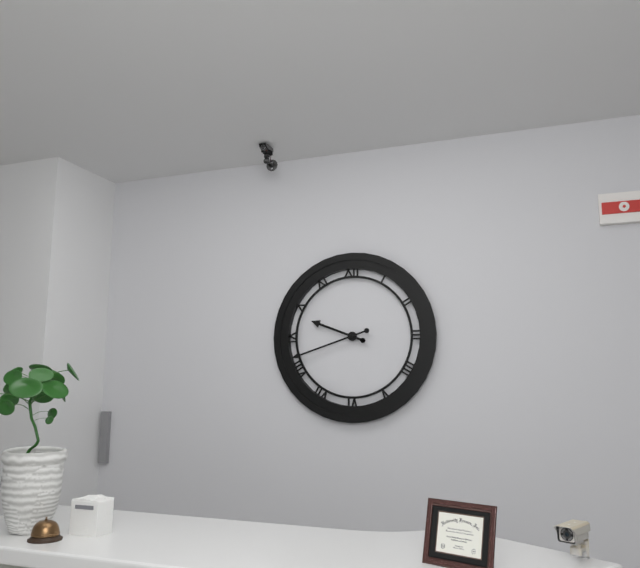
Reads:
{"hour": 9, "minute": 42}
